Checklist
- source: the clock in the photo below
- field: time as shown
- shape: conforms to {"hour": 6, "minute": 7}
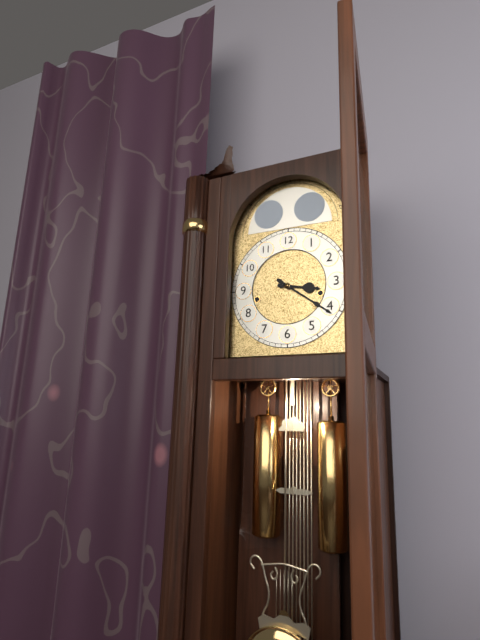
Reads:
{"hour": 3, "minute": 21}
